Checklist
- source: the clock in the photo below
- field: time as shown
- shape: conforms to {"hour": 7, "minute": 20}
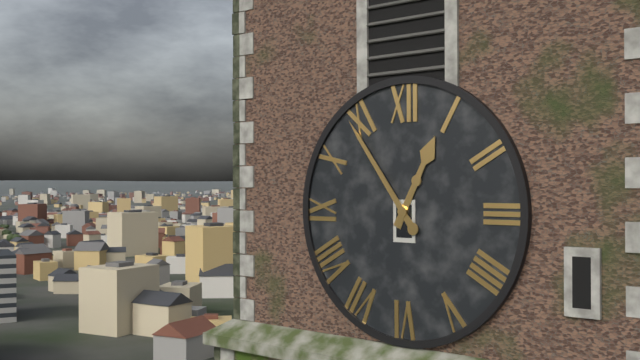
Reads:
{"hour": 12, "minute": 54}
